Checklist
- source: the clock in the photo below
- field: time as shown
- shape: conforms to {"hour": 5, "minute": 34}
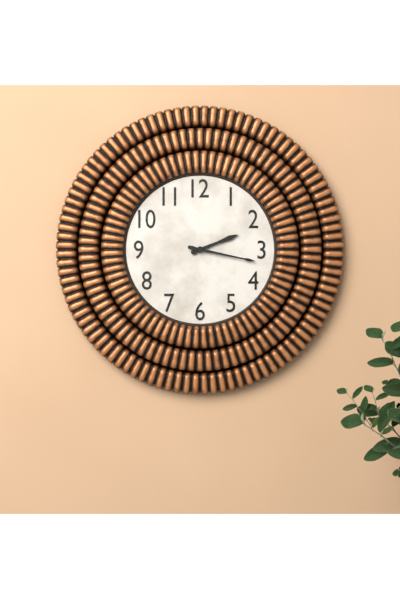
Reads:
{"hour": 2, "minute": 17}
